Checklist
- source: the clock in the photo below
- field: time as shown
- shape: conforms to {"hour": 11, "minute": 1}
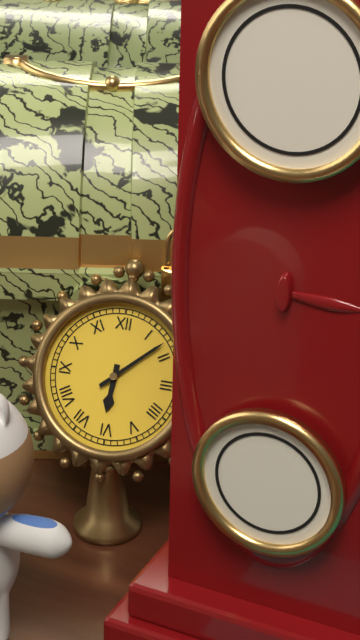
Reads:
{"hour": 6, "minute": 8}
